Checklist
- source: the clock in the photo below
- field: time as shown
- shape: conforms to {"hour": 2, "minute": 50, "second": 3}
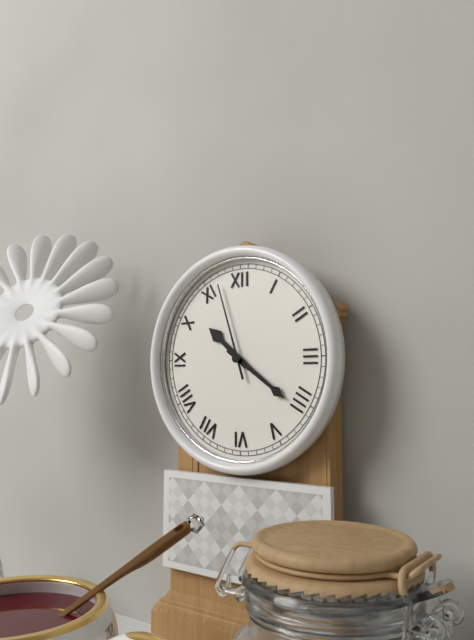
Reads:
{"hour": 10, "minute": 21, "second": 57}
